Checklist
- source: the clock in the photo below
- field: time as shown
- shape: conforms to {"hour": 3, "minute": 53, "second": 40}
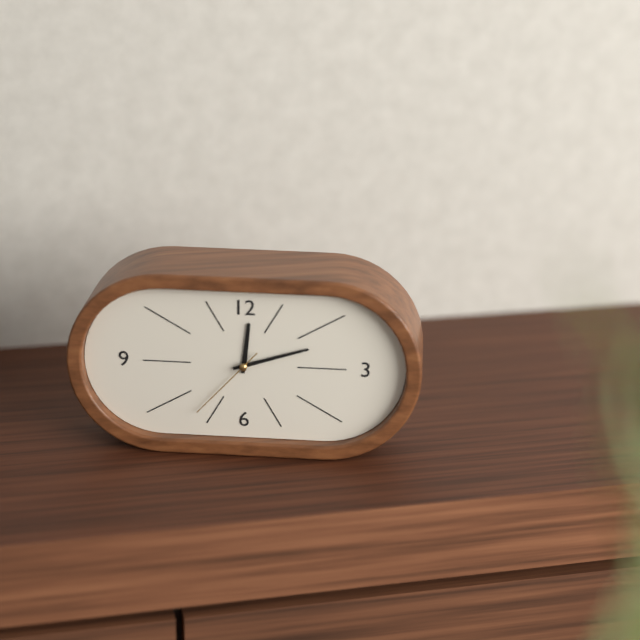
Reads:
{"hour": 12, "minute": 12, "second": 37}
